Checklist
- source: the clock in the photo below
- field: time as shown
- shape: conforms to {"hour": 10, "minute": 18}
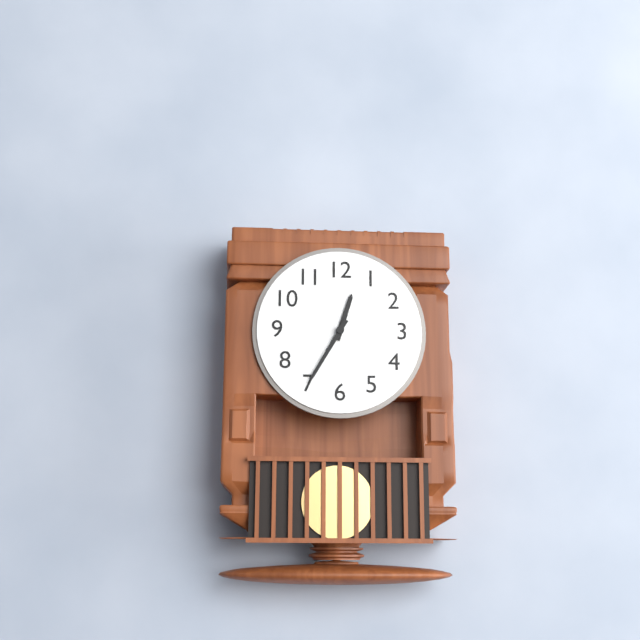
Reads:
{"hour": 12, "minute": 35}
